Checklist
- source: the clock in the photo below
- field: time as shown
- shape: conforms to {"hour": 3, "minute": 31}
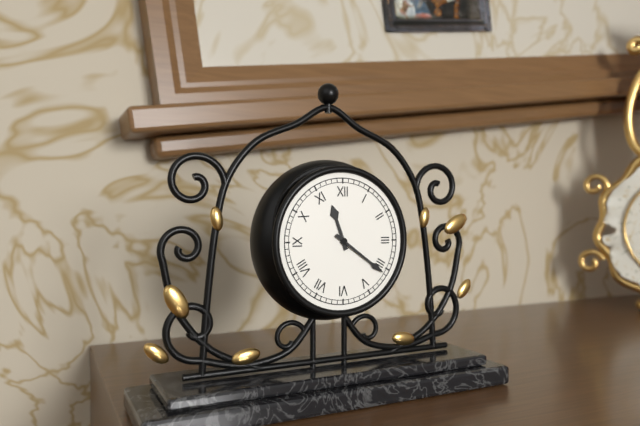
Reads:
{"hour": 11, "minute": 21}
